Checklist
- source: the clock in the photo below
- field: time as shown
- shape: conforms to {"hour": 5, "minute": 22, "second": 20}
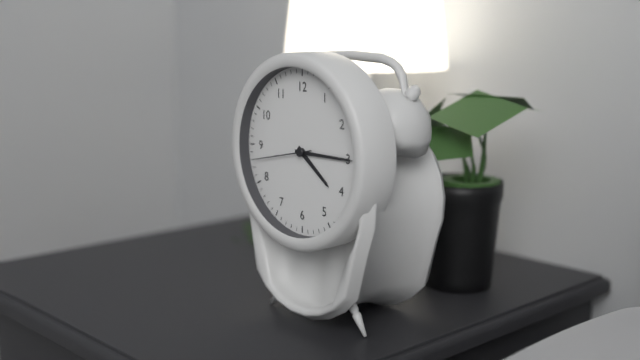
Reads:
{"hour": 4, "minute": 15, "second": 43}
